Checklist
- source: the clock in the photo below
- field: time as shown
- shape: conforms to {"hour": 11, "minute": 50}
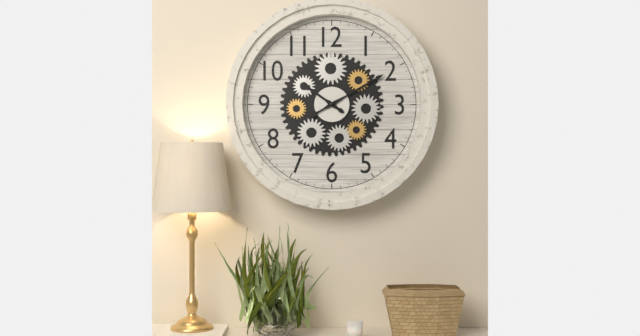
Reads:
{"hour": 10, "minute": 10}
